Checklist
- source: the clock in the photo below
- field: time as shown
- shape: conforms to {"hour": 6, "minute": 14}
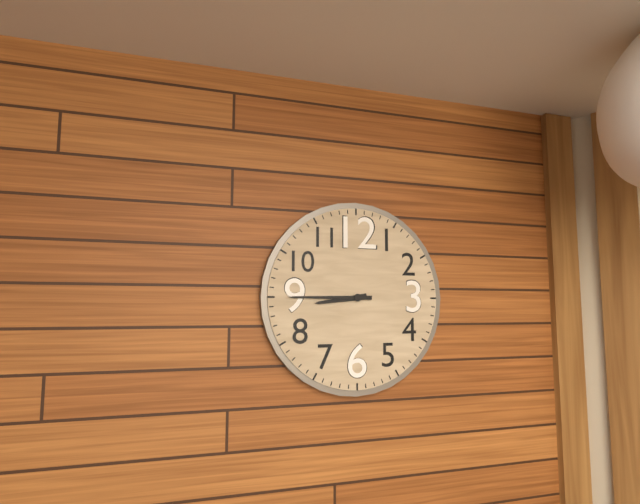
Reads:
{"hour": 8, "minute": 45}
